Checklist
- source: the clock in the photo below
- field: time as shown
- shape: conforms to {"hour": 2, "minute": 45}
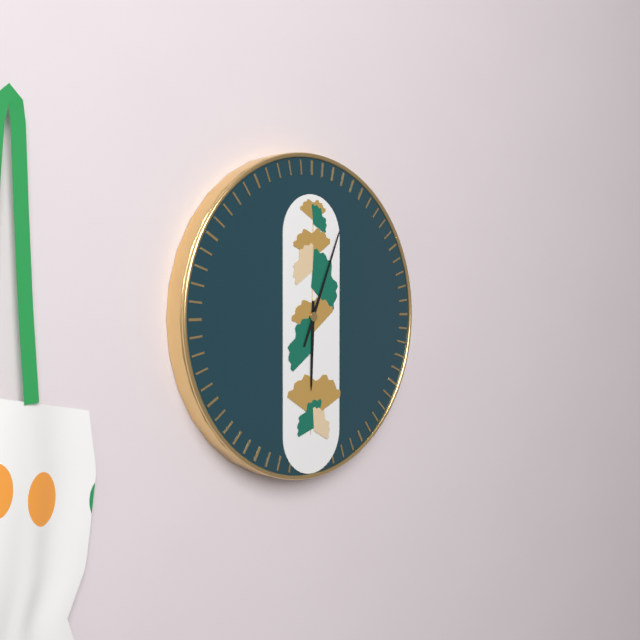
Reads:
{"hour": 6, "minute": 4}
